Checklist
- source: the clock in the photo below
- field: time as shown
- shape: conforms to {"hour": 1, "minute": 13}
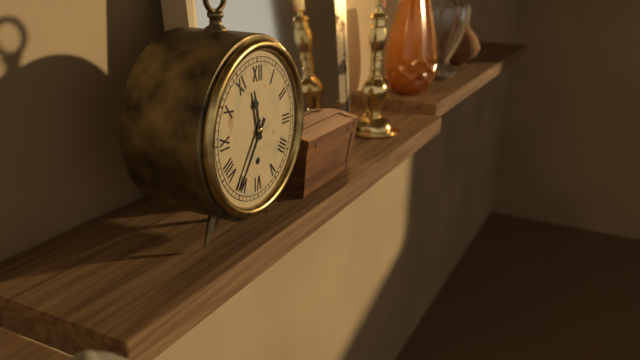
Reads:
{"hour": 11, "minute": 36}
